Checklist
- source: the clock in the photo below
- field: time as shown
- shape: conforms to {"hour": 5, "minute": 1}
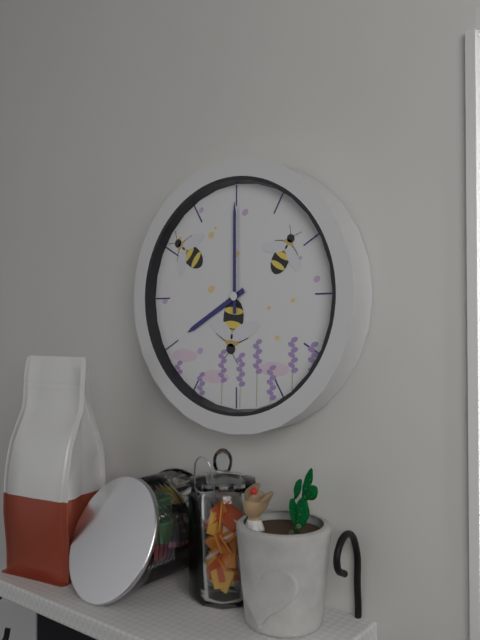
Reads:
{"hour": 8, "minute": 0}
